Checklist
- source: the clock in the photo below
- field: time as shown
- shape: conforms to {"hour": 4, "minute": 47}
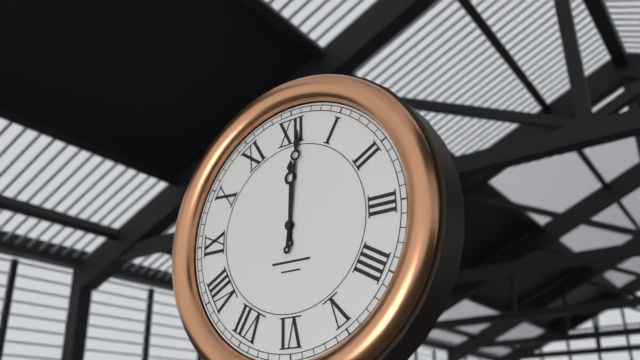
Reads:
{"hour": 12, "minute": 1}
